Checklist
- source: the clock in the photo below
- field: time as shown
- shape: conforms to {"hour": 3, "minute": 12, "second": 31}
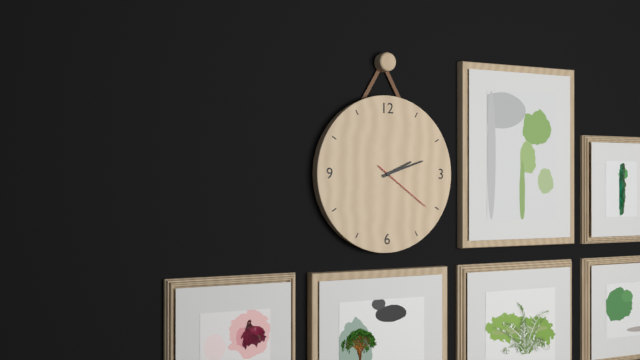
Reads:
{"hour": 2, "minute": 12, "second": 21}
